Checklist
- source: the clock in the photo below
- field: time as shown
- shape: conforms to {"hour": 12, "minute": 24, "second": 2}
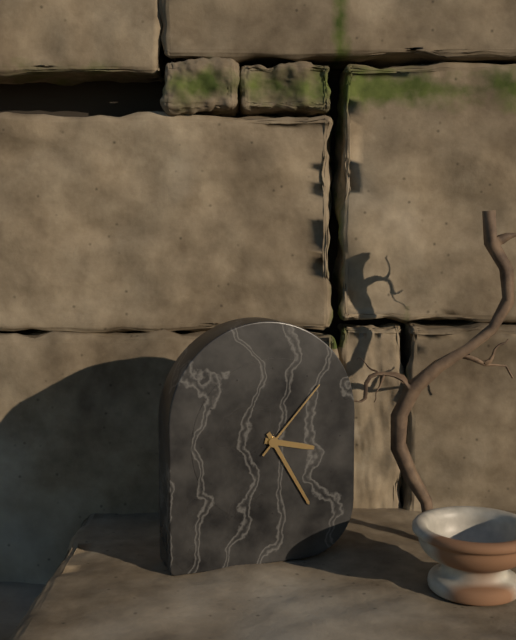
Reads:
{"hour": 3, "minute": 25, "second": 7}
